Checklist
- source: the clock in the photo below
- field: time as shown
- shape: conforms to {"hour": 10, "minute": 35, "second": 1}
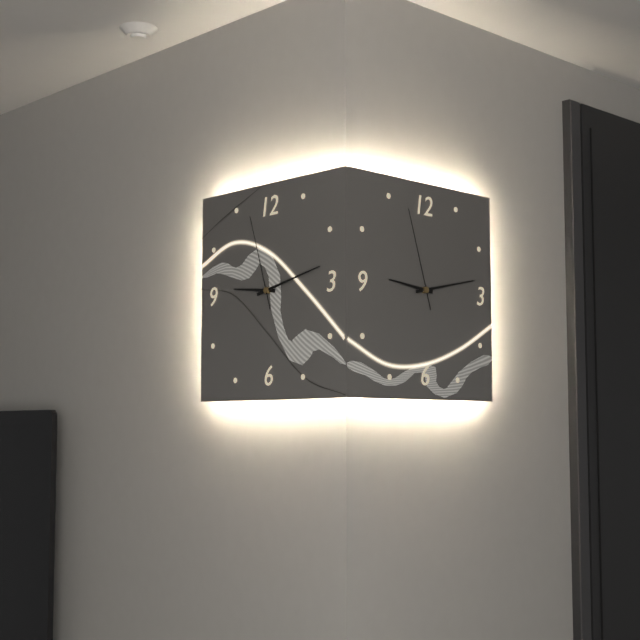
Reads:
{"hour": 9, "minute": 13, "second": 57}
